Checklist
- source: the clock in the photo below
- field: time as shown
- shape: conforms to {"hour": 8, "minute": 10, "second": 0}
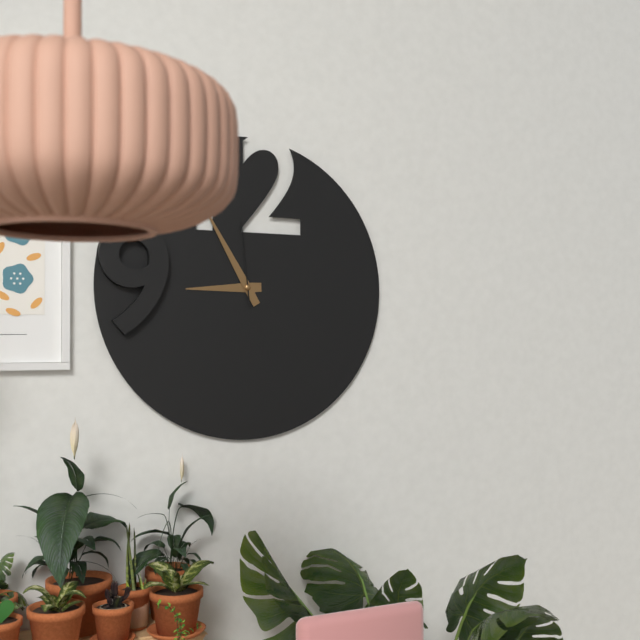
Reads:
{"hour": 8, "minute": 55, "second": 59}
